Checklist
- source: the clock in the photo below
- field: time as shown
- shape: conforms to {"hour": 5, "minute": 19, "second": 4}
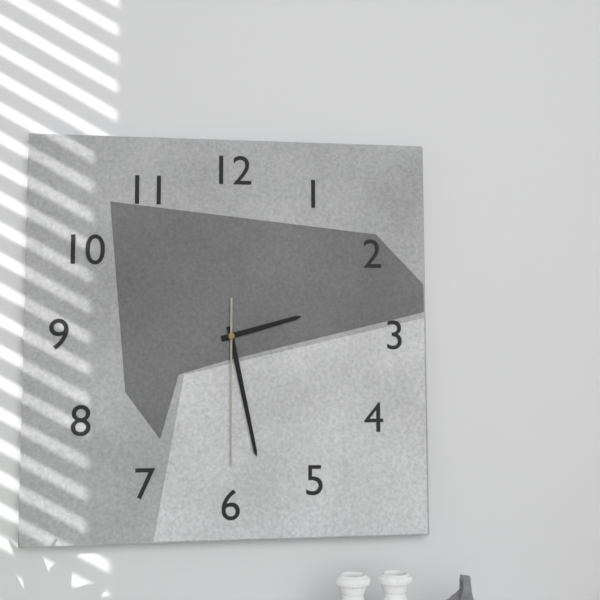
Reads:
{"hour": 2, "minute": 28, "second": 30}
